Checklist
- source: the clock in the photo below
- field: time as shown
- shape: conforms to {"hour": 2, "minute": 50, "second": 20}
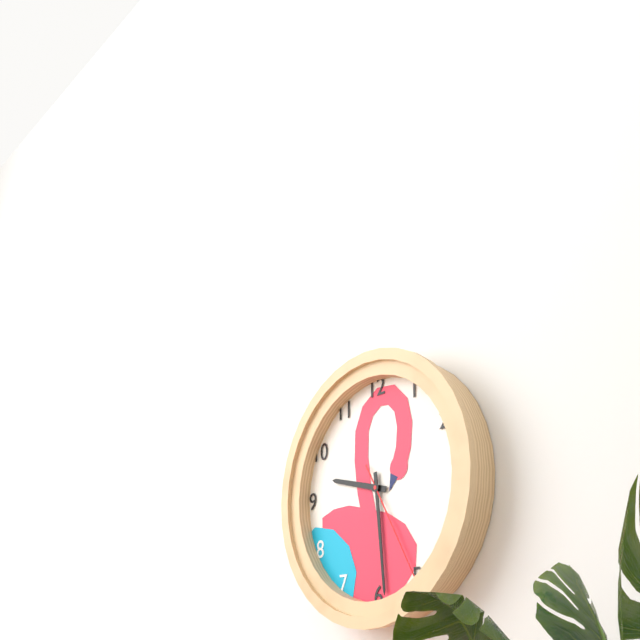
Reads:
{"hour": 9, "minute": 29, "second": 25}
